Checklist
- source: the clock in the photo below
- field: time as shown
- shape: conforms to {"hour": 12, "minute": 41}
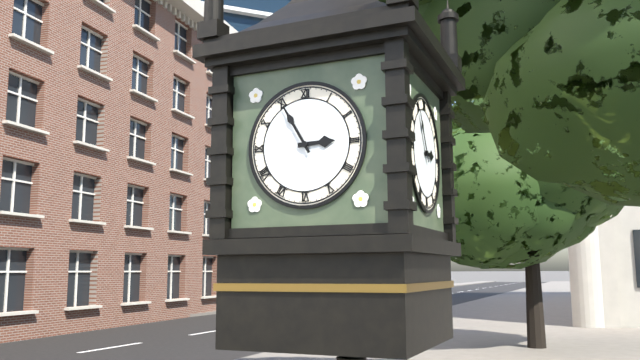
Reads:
{"hour": 2, "minute": 55}
